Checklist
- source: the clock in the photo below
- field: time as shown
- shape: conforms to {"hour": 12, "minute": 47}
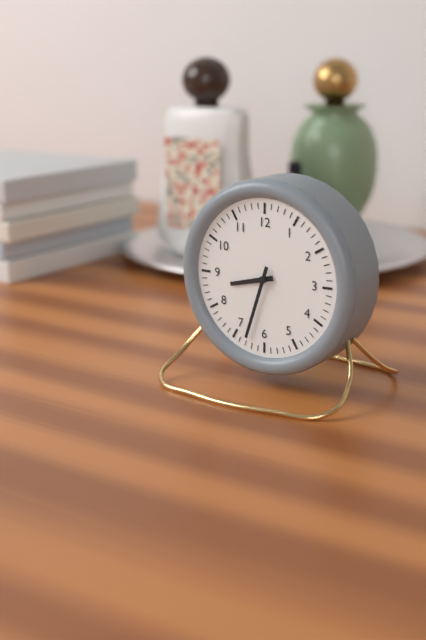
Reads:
{"hour": 8, "minute": 33}
